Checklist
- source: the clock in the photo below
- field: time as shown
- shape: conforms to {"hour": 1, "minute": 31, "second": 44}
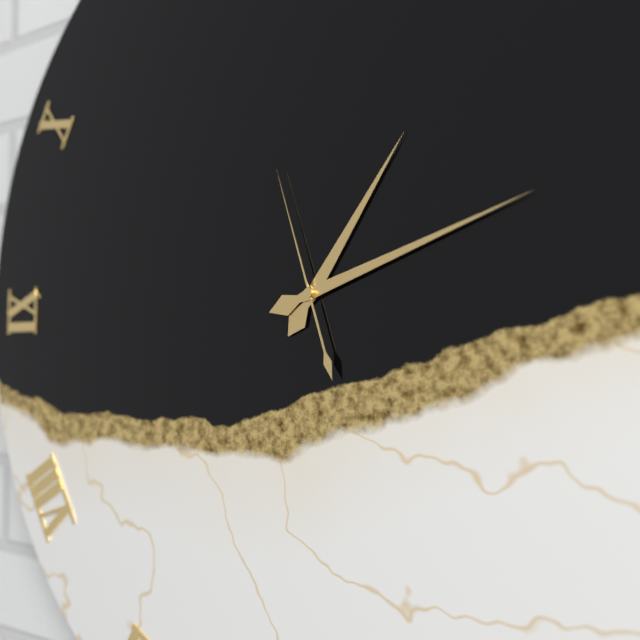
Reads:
{"hour": 1, "minute": 12, "second": 57}
